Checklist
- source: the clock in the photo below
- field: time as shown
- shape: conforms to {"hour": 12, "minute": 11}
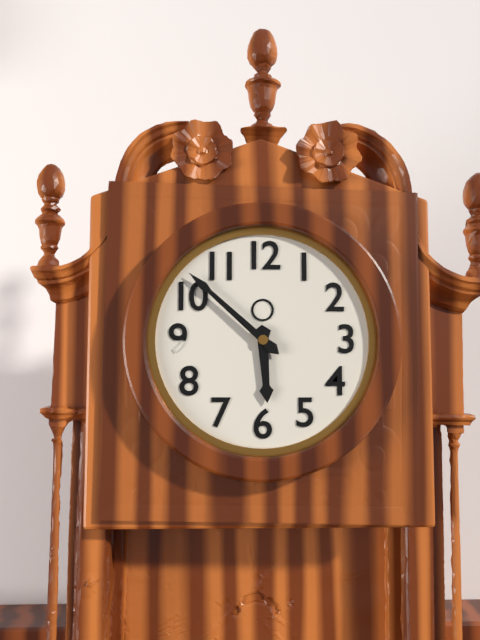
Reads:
{"hour": 5, "minute": 52}
